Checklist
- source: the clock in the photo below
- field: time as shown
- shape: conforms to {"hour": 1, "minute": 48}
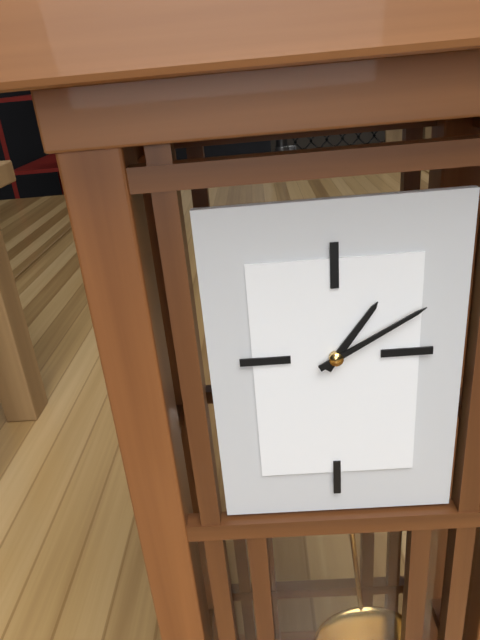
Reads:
{"hour": 1, "minute": 10}
